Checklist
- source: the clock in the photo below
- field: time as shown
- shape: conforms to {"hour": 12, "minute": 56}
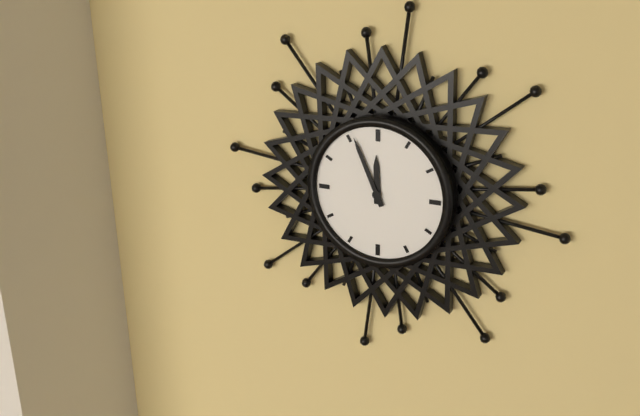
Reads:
{"hour": 11, "minute": 56}
